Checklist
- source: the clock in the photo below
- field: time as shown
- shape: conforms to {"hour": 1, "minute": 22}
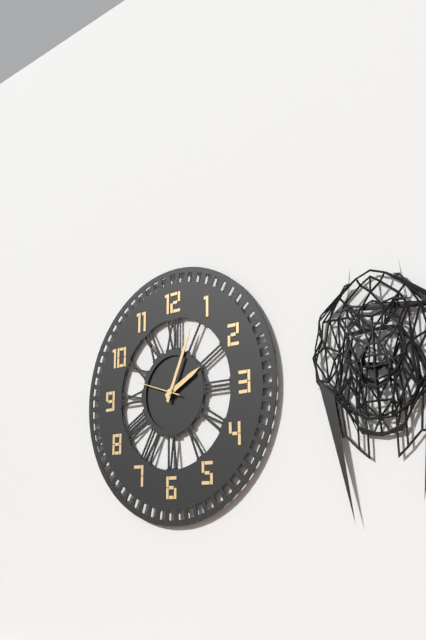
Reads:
{"hour": 2, "minute": 4}
